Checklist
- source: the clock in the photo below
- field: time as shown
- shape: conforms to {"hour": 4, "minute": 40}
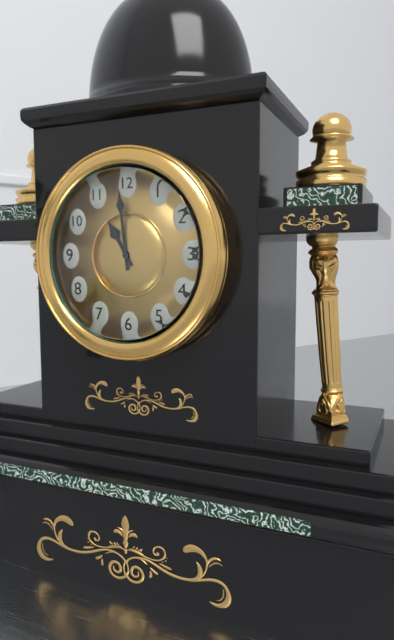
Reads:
{"hour": 10, "minute": 59}
